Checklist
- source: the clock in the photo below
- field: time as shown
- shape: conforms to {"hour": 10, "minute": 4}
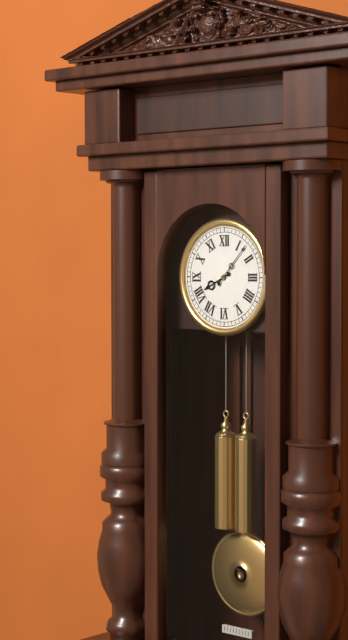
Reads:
{"hour": 8, "minute": 7}
